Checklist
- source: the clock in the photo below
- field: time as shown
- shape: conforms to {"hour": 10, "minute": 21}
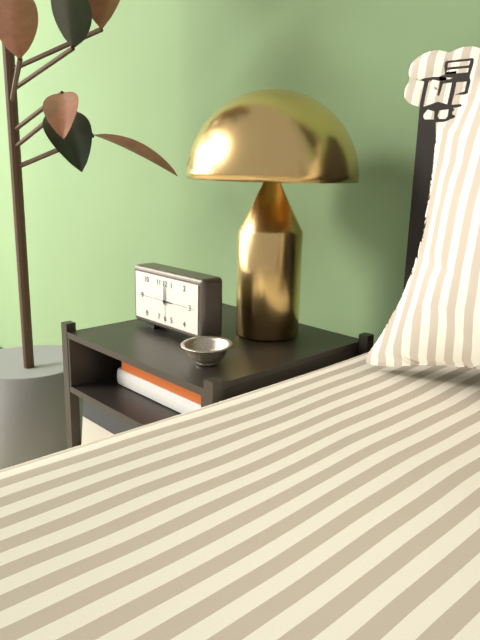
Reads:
{"hour": 3, "minute": 0}
